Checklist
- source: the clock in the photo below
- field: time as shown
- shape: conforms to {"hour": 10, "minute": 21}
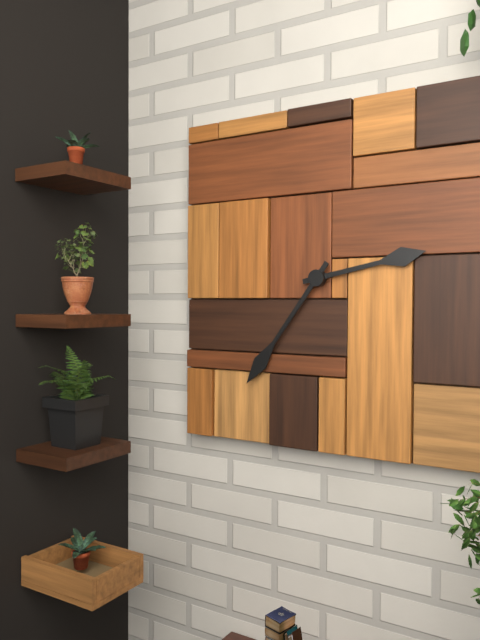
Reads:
{"hour": 2, "minute": 36}
